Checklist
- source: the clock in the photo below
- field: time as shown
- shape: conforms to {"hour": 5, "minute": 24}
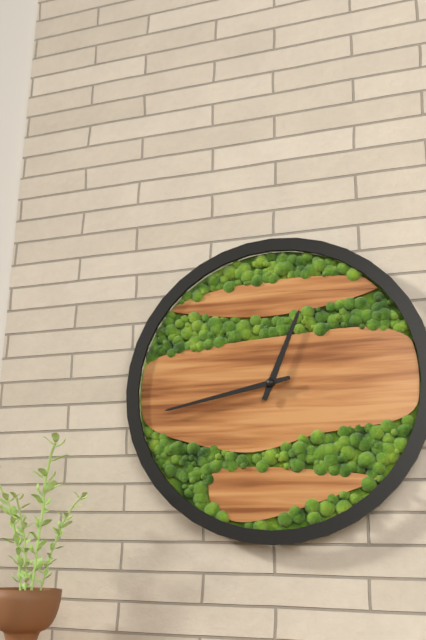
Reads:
{"hour": 12, "minute": 43}
